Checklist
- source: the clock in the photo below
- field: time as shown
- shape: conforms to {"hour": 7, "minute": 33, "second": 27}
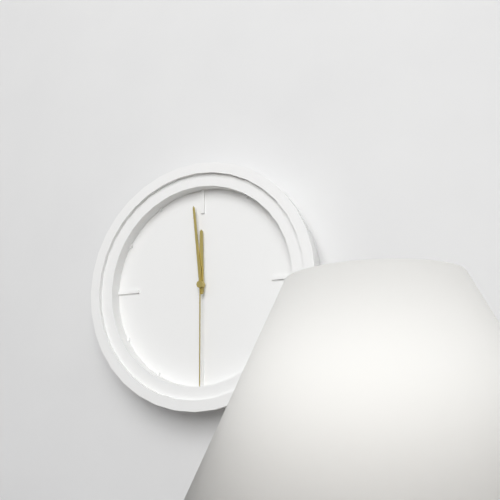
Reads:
{"hour": 11, "minute": 59, "second": 30}
